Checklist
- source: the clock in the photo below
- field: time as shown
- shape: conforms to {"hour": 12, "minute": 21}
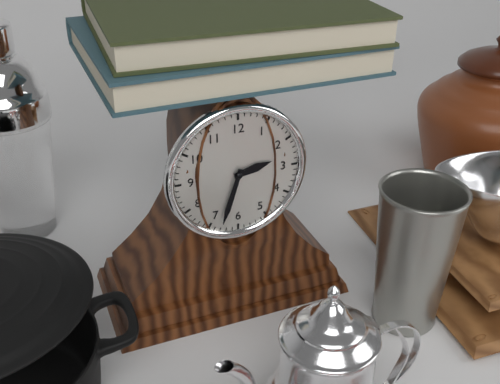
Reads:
{"hour": 2, "minute": 33}
